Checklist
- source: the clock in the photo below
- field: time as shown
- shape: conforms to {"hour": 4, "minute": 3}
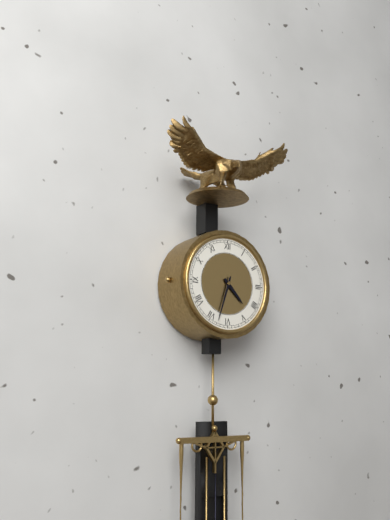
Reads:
{"hour": 4, "minute": 33}
